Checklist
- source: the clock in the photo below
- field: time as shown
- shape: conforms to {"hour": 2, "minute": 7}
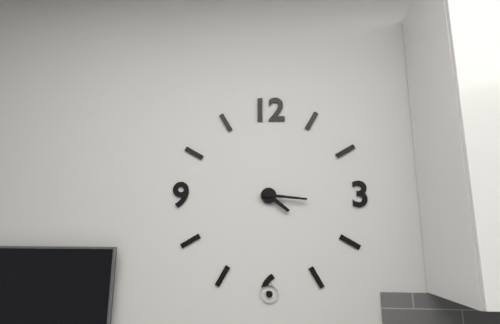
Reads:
{"hour": 4, "minute": 16}
